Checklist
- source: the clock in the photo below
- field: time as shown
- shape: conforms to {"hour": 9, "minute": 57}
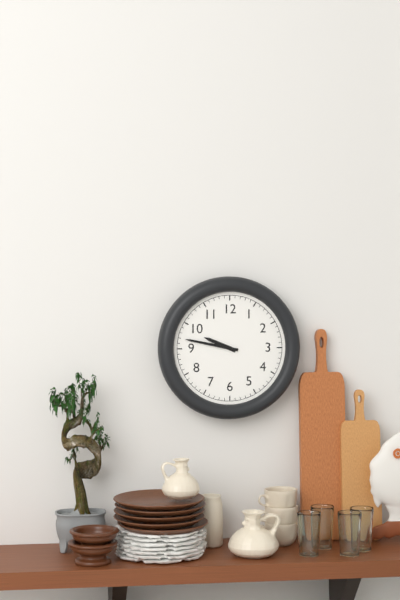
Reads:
{"hour": 9, "minute": 47}
